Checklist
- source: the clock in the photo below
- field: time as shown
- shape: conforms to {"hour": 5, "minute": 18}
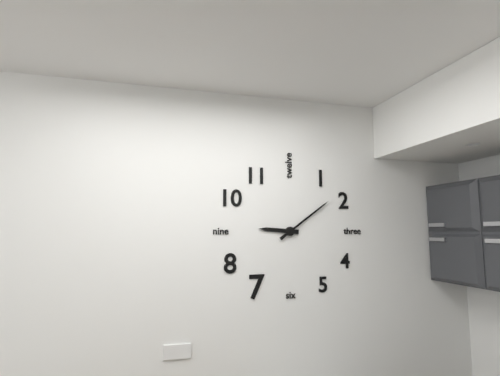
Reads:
{"hour": 9, "minute": 9}
